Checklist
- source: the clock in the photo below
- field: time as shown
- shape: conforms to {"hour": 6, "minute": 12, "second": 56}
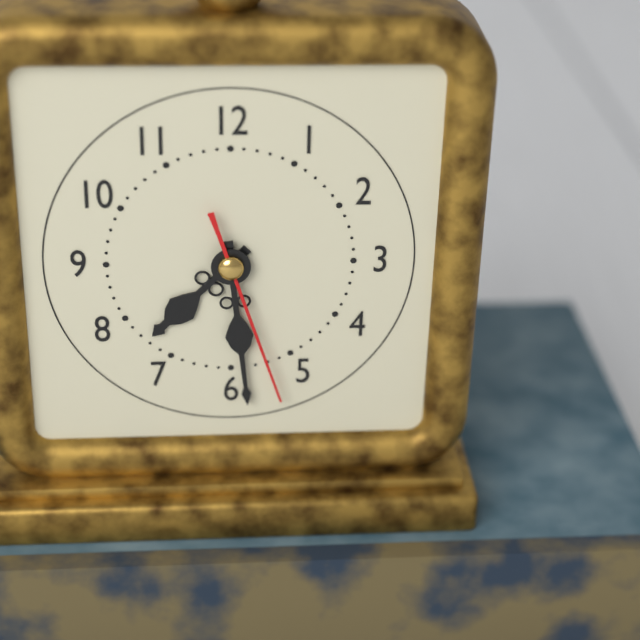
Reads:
{"hour": 7, "minute": 29, "second": 27}
